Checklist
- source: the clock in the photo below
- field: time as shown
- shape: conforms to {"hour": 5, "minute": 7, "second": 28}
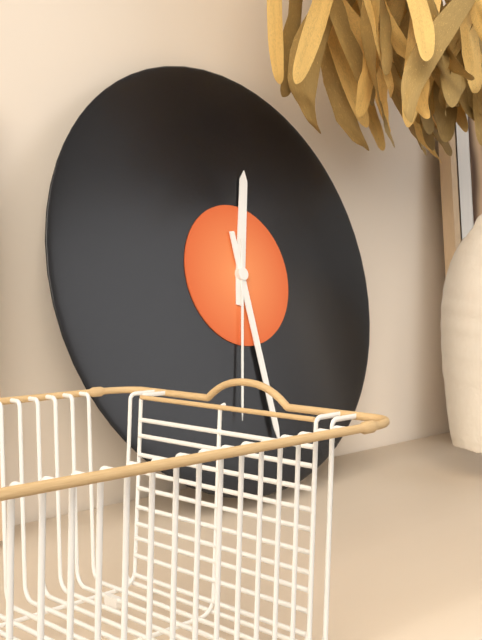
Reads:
{"hour": 12, "minute": 29, "second": 32}
